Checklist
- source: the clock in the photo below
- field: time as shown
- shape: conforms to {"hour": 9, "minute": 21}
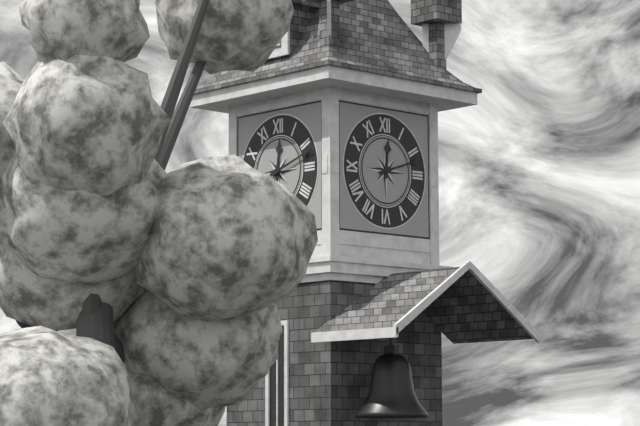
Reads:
{"hour": 12, "minute": 12}
